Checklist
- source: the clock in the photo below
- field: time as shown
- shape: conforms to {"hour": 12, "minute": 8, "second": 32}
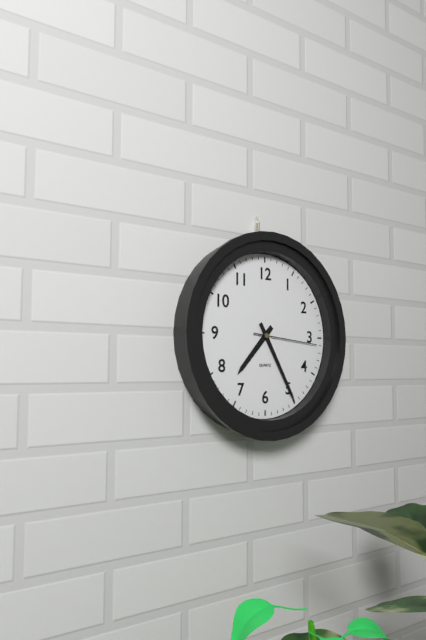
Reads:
{"hour": 7, "minute": 25, "second": 16}
